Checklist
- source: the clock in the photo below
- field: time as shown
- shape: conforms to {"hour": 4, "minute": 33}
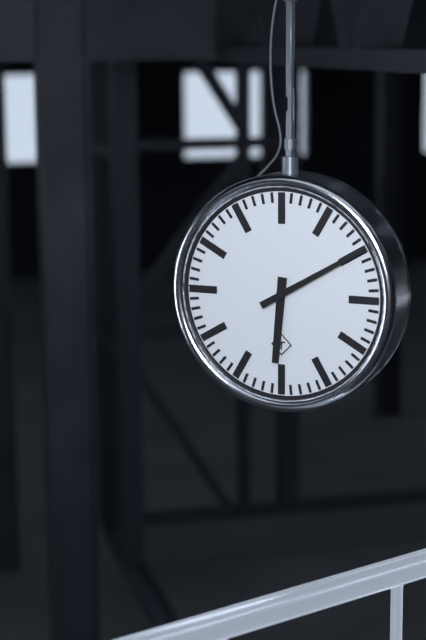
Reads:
{"hour": 6, "minute": 10}
